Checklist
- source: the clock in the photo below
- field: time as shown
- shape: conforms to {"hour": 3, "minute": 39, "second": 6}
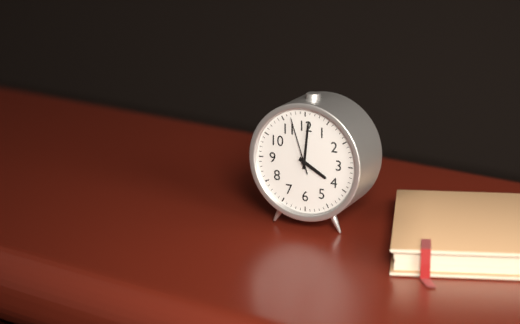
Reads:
{"hour": 4, "minute": 1, "second": 57}
